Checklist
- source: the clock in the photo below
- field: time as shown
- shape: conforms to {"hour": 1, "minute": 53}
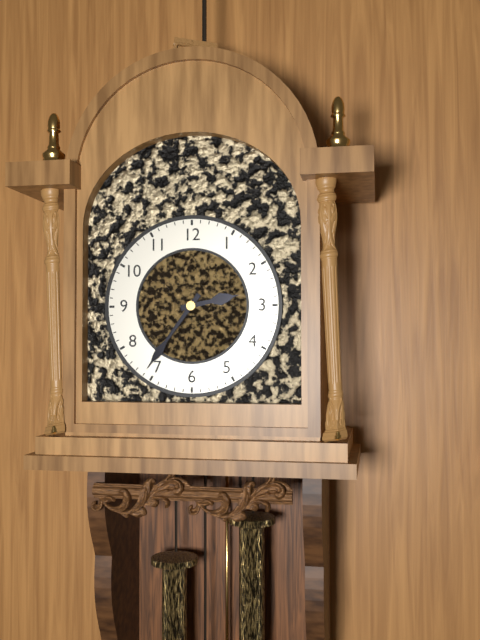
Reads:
{"hour": 2, "minute": 36}
